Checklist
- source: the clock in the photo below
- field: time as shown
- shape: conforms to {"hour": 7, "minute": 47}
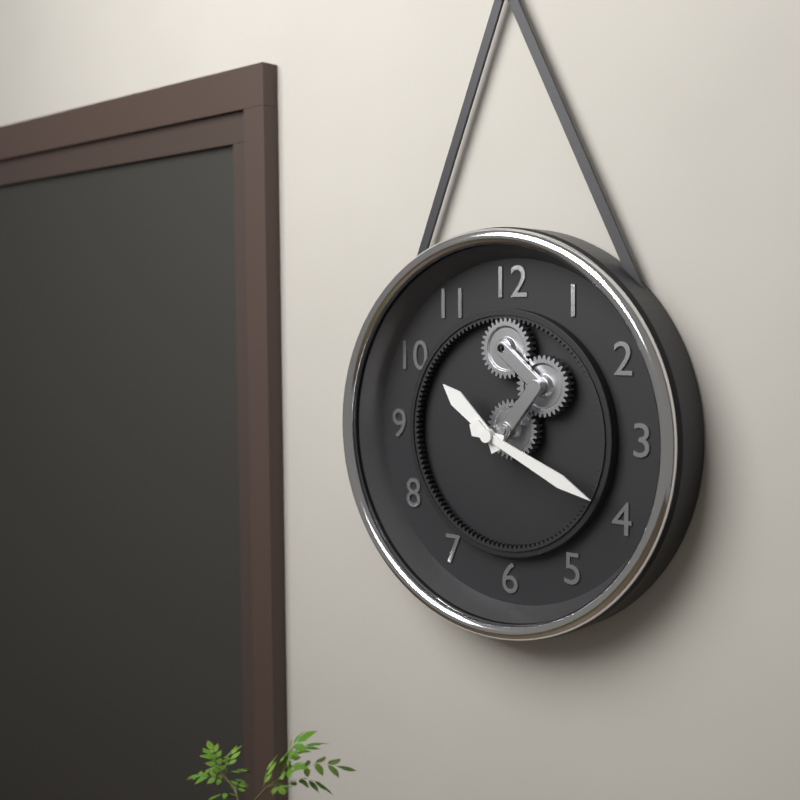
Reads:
{"hour": 10, "minute": 19}
